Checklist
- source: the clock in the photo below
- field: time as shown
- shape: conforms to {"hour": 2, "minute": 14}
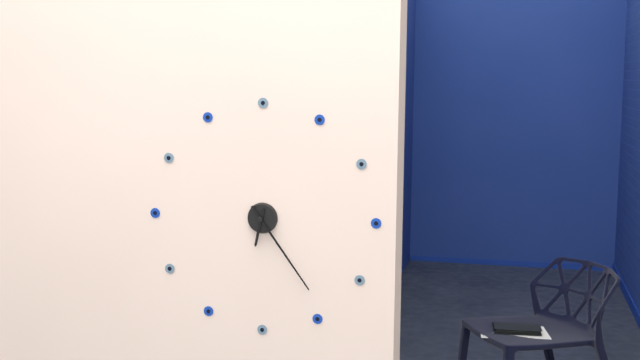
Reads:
{"hour": 6, "minute": 24}
